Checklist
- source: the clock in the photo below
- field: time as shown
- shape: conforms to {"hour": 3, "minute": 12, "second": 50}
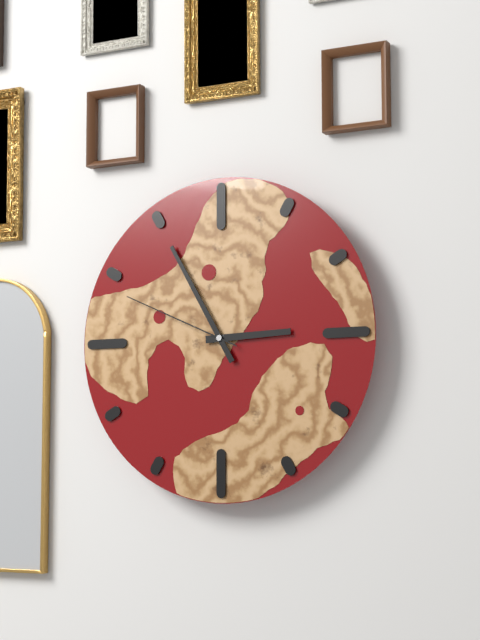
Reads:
{"hour": 2, "minute": 55, "second": 49}
